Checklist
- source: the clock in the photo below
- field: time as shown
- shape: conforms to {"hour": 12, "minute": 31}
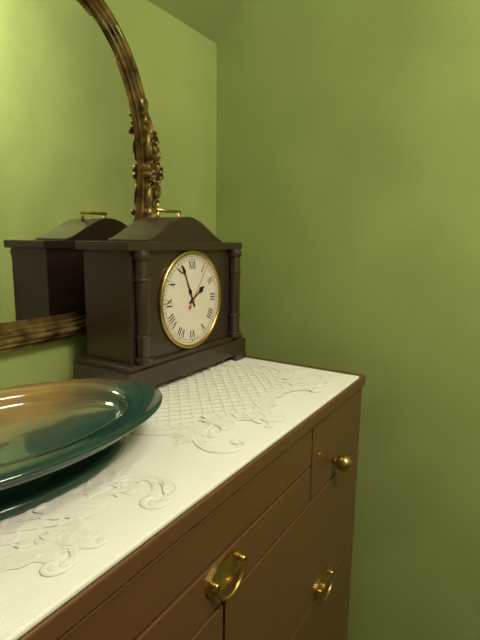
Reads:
{"hour": 1, "minute": 56}
